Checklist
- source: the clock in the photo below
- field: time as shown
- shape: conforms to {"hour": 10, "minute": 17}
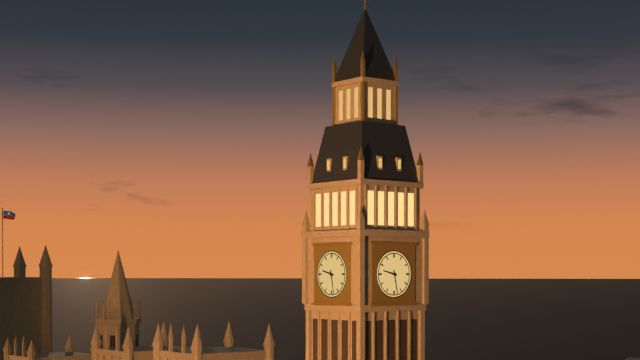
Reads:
{"hour": 9, "minute": 28}
